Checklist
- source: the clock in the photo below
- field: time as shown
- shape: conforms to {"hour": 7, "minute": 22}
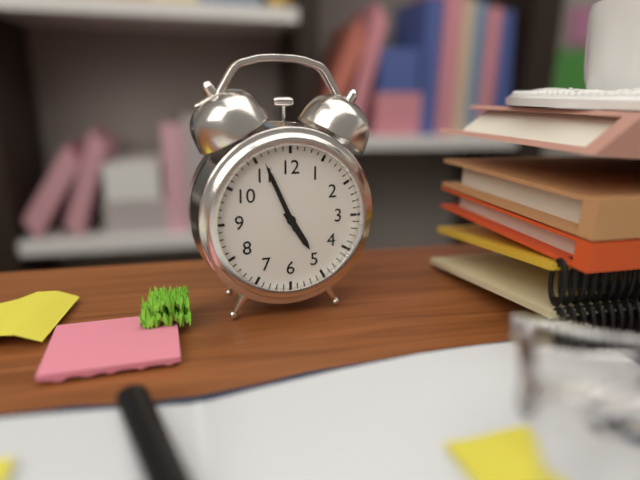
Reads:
{"hour": 4, "minute": 56}
